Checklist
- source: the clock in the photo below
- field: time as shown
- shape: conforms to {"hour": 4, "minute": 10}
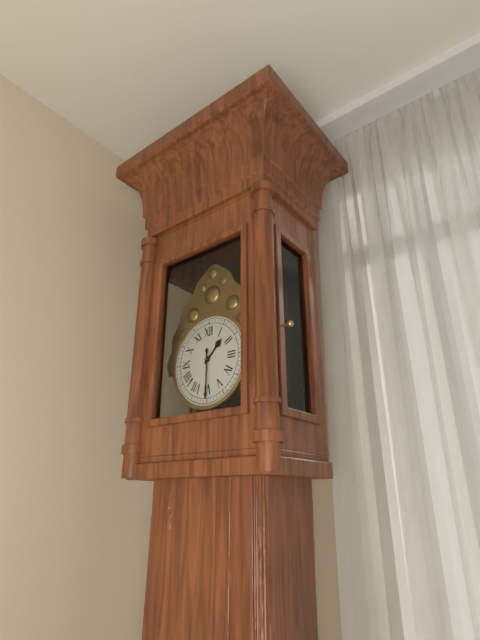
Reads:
{"hour": 1, "minute": 30}
